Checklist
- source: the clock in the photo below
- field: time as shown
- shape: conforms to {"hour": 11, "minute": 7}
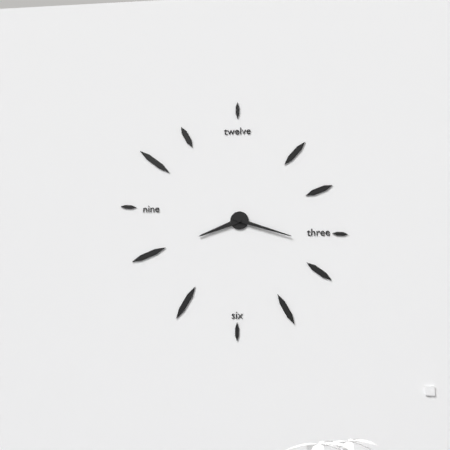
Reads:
{"hour": 8, "minute": 18}
